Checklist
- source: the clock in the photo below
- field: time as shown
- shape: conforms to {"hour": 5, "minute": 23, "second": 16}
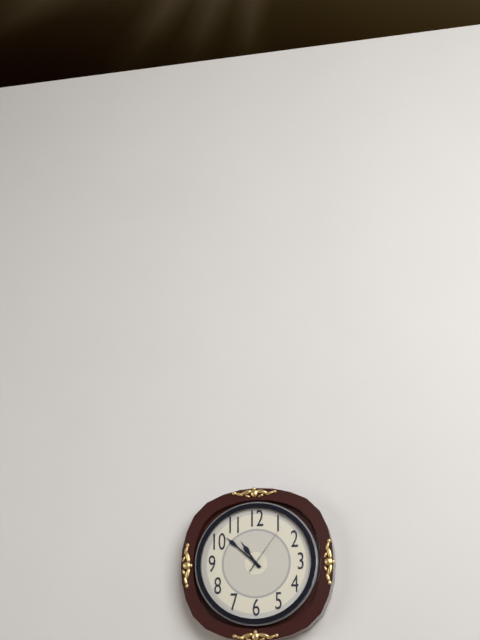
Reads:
{"hour": 10, "minute": 52, "second": 6}
